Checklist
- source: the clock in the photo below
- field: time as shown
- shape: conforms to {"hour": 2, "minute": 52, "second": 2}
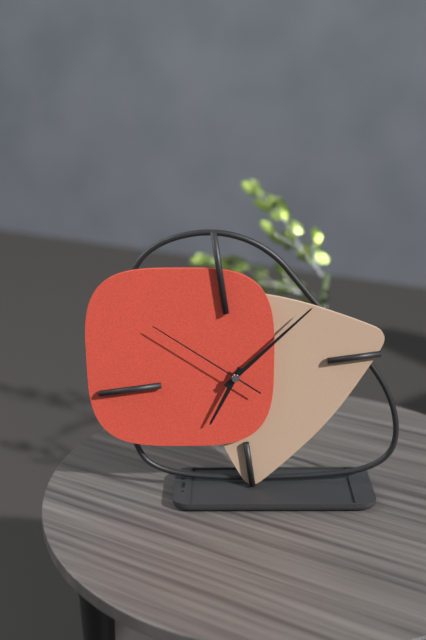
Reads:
{"hour": 7, "minute": 9, "second": 52}
